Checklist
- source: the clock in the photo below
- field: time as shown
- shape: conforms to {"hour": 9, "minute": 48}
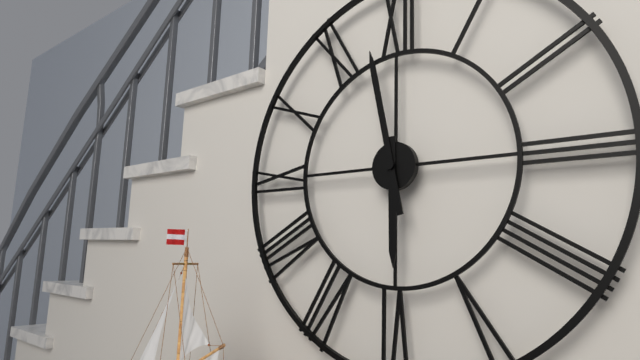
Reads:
{"hour": 5, "minute": 58}
